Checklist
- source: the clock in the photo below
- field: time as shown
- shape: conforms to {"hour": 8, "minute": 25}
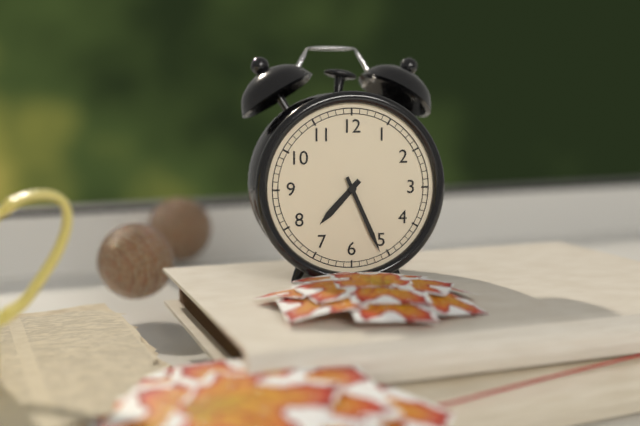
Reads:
{"hour": 7, "minute": 26}
